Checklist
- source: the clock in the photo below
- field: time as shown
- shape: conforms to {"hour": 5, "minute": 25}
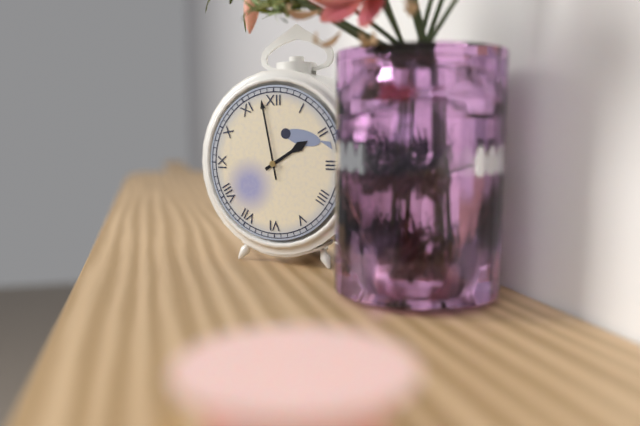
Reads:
{"hour": 1, "minute": 58}
